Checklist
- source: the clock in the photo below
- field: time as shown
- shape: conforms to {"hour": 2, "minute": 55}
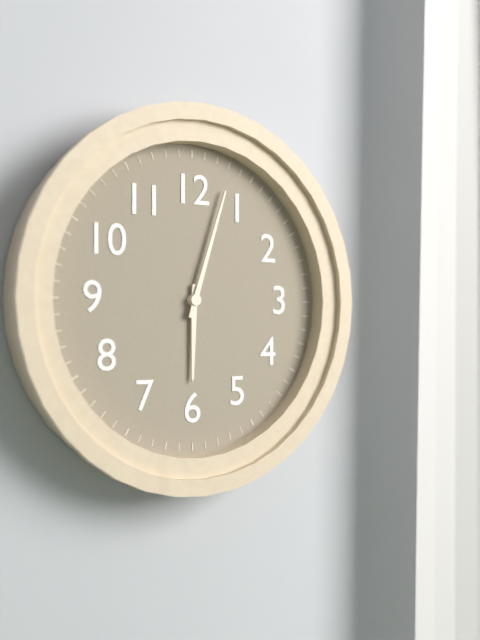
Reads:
{"hour": 6, "minute": 3}
